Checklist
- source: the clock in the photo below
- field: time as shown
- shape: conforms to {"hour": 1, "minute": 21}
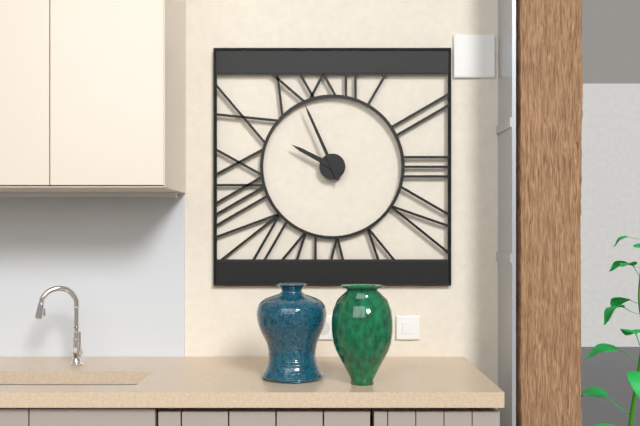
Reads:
{"hour": 9, "minute": 56}
